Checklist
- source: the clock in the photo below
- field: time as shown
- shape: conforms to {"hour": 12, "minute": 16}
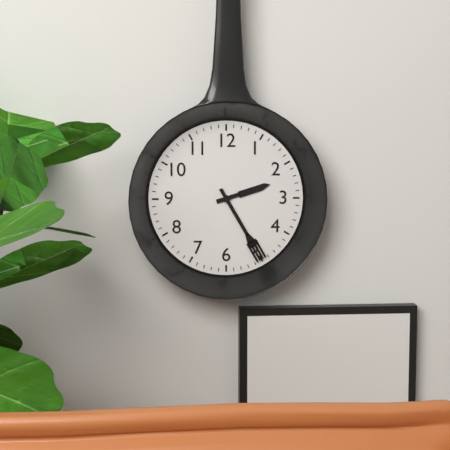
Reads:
{"hour": 2, "minute": 25}
